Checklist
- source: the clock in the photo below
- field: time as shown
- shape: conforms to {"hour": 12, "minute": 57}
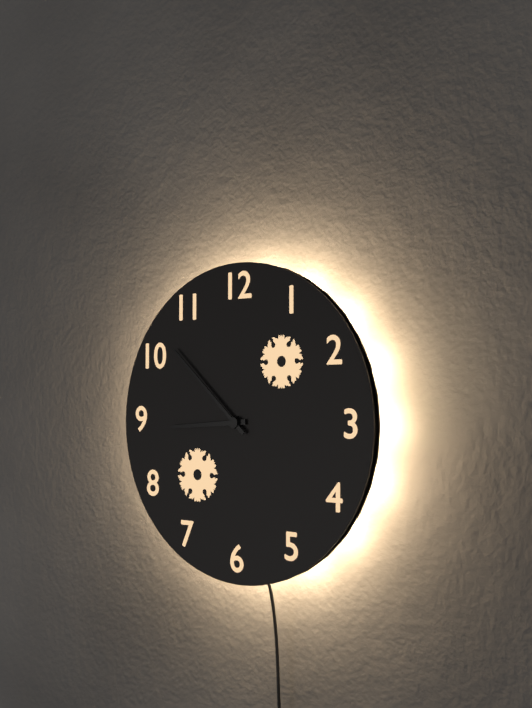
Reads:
{"hour": 8, "minute": 52}
